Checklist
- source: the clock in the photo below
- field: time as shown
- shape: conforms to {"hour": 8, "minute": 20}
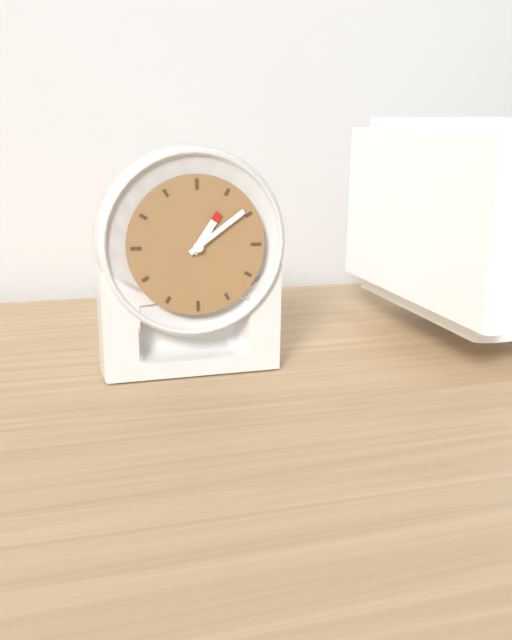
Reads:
{"hour": 1, "minute": 9}
